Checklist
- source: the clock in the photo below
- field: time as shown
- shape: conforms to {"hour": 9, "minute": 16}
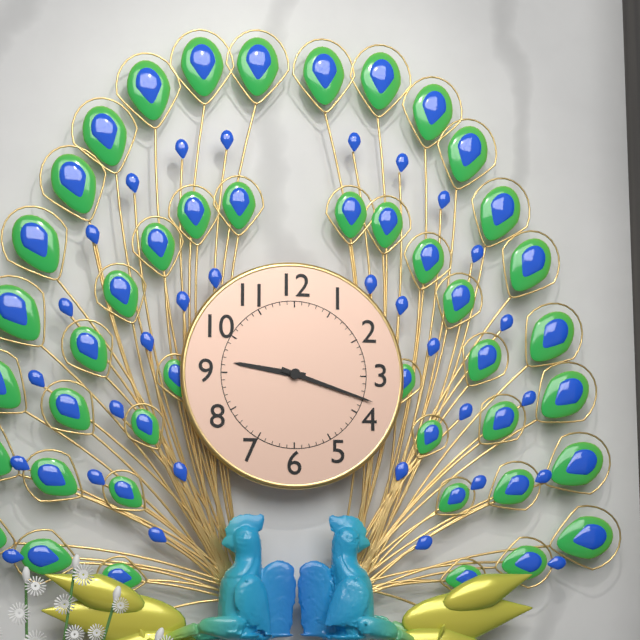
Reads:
{"hour": 9, "minute": 18}
